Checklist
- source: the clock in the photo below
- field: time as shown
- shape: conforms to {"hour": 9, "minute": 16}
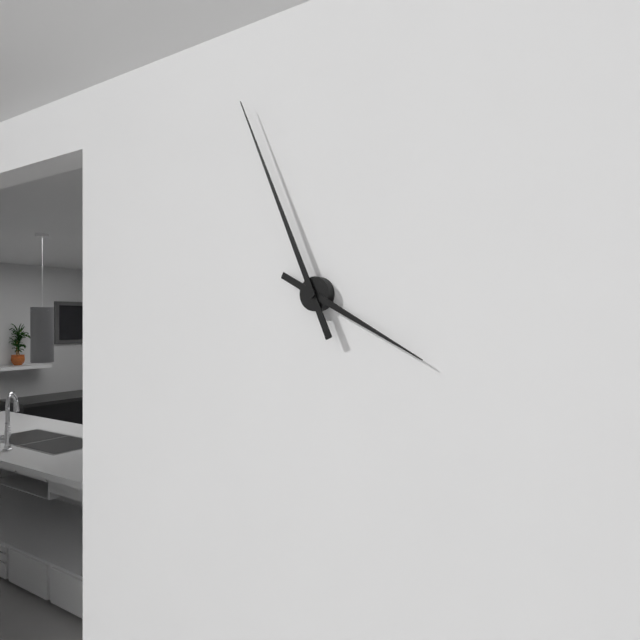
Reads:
{"hour": 3, "minute": 56}
